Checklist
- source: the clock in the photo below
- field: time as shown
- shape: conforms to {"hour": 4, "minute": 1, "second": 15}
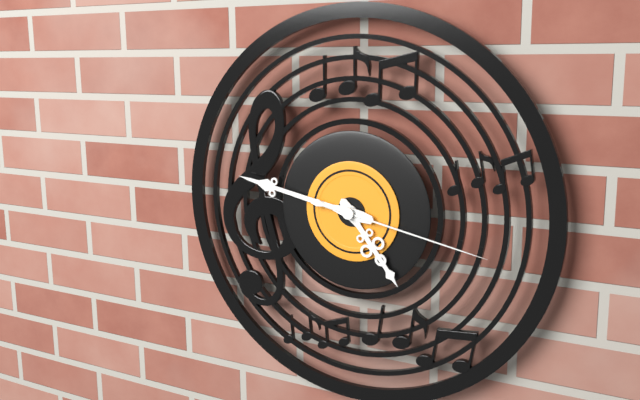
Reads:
{"hour": 4, "minute": 47, "second": 17}
